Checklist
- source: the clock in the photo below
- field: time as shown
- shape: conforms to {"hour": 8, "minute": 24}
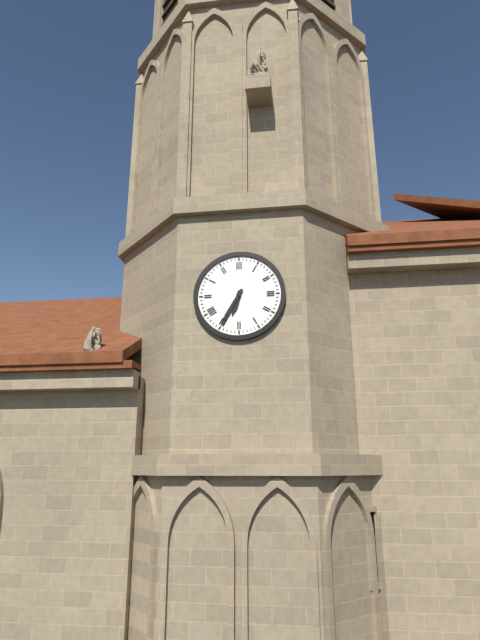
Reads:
{"hour": 6, "minute": 35}
